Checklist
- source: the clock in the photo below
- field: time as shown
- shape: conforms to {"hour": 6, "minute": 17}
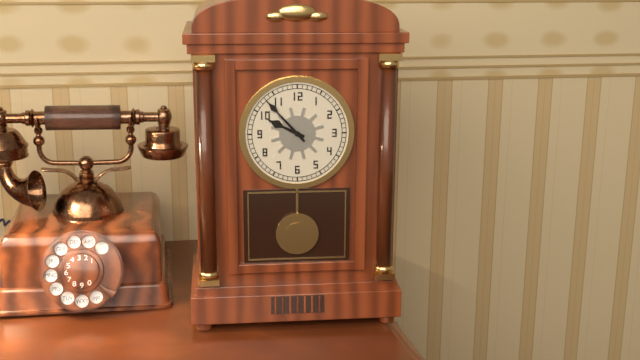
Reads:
{"hour": 9, "minute": 53}
